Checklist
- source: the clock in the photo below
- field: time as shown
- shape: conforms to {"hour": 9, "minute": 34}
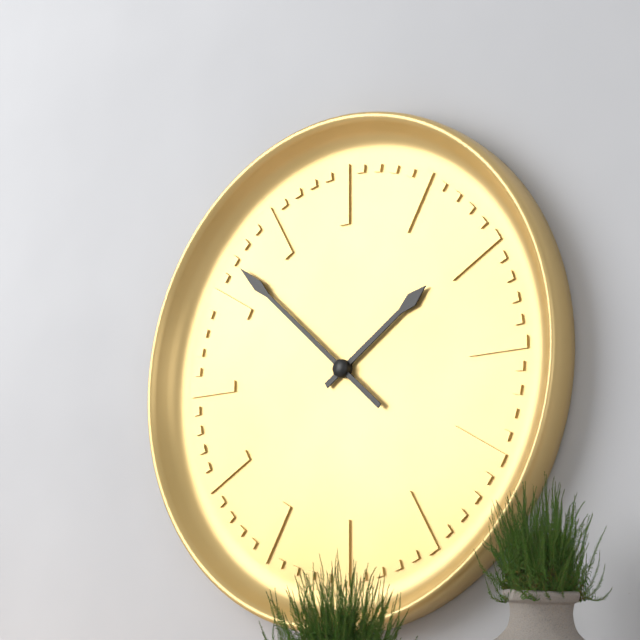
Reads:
{"hour": 1, "minute": 52}
